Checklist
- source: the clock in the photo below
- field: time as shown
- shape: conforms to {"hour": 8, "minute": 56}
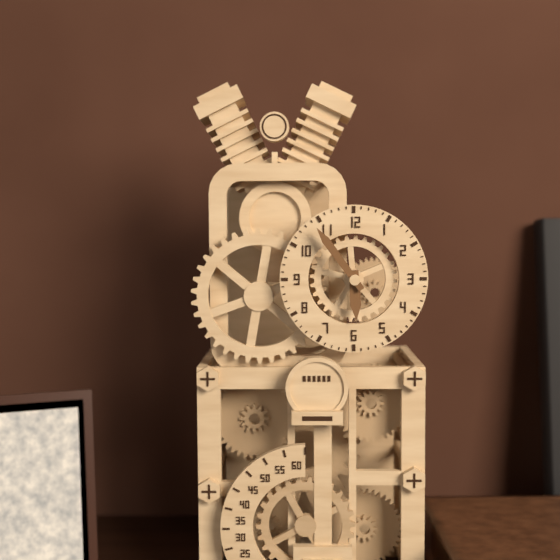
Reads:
{"hour": 5, "minute": 54}
